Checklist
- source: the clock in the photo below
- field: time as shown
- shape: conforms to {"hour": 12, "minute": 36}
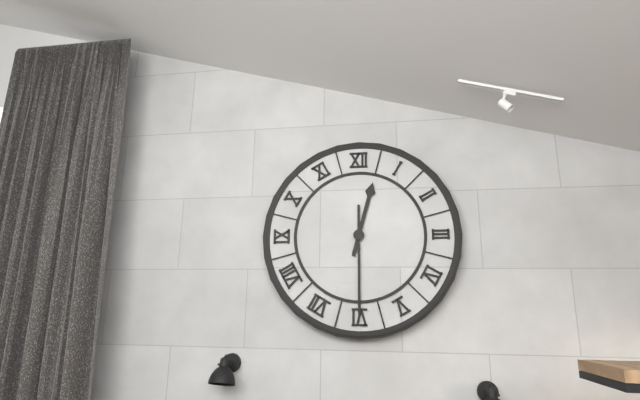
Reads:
{"hour": 12, "minute": 30}
